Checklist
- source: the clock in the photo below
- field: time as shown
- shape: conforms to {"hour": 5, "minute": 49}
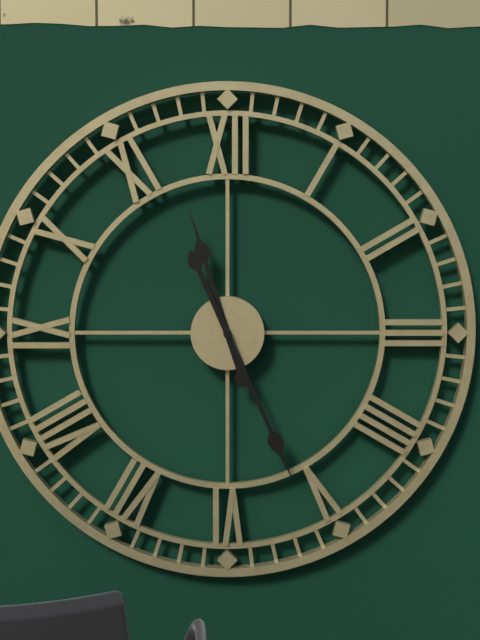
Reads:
{"hour": 11, "minute": 26}
